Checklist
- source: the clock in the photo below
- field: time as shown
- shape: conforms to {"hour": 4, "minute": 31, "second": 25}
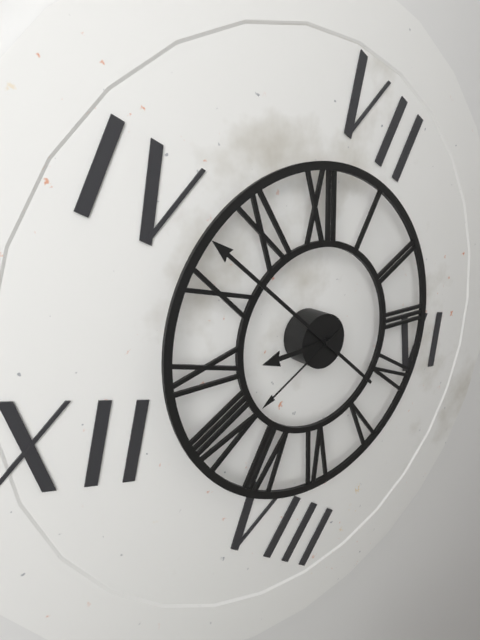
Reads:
{"hour": 8, "minute": 52, "second": 40}
